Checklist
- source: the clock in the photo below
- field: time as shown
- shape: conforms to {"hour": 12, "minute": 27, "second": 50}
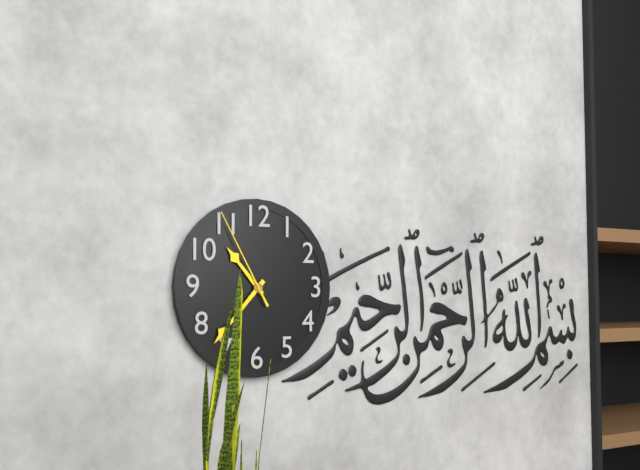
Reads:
{"hour": 10, "minute": 37, "second": 55}
